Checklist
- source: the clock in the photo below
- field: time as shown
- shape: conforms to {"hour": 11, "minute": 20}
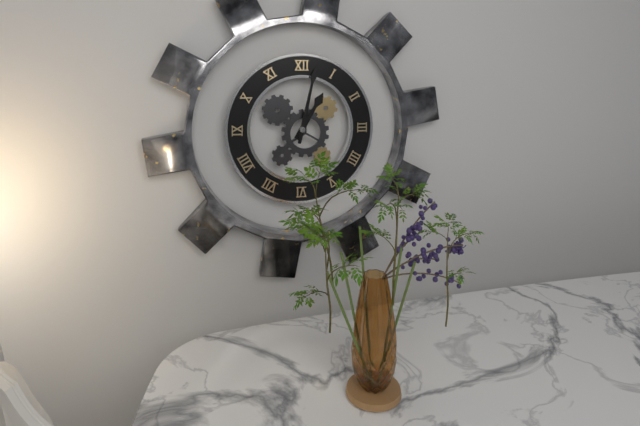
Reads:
{"hour": 1, "minute": 2}
